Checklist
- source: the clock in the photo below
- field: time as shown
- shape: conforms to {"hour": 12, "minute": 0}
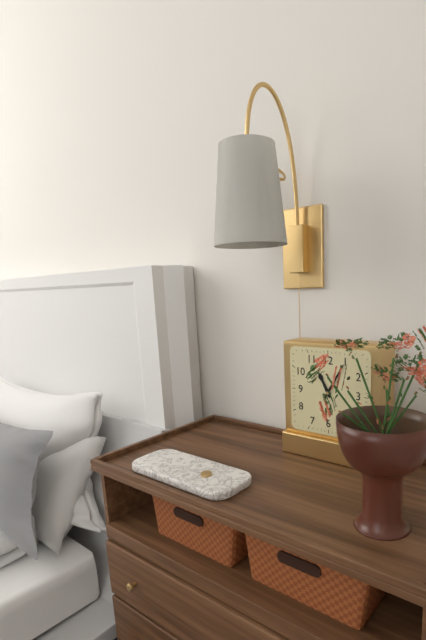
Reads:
{"hour": 11, "minute": 5}
